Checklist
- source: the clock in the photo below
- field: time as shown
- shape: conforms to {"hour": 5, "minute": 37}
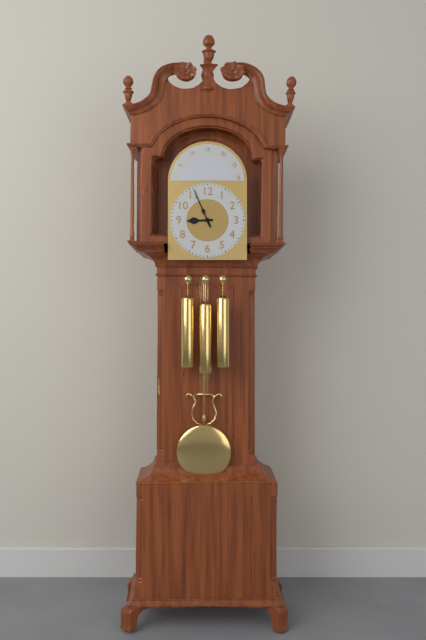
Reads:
{"hour": 8, "minute": 56}
